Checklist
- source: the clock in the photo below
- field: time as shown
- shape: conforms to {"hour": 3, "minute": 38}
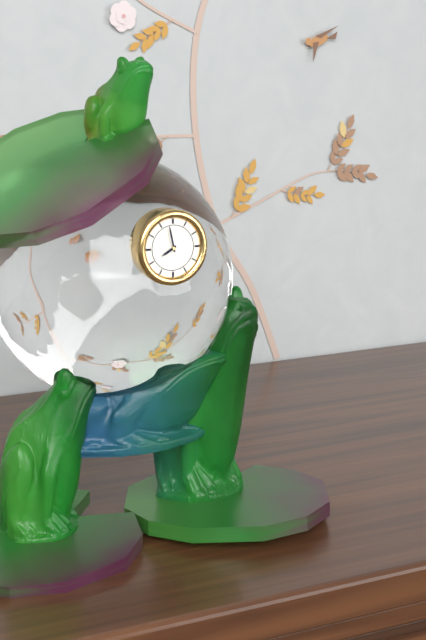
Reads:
{"hour": 7, "minute": 58}
